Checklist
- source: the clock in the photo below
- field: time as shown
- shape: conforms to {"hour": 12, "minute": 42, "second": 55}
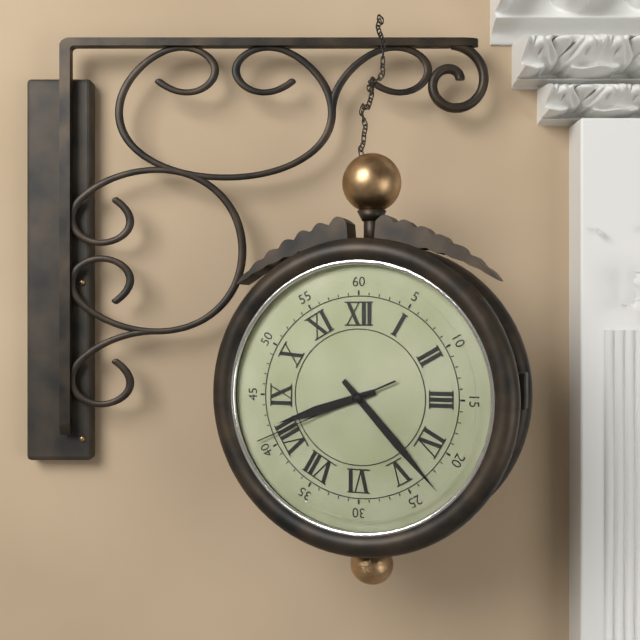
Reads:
{"hour": 8, "minute": 23, "second": 41}
